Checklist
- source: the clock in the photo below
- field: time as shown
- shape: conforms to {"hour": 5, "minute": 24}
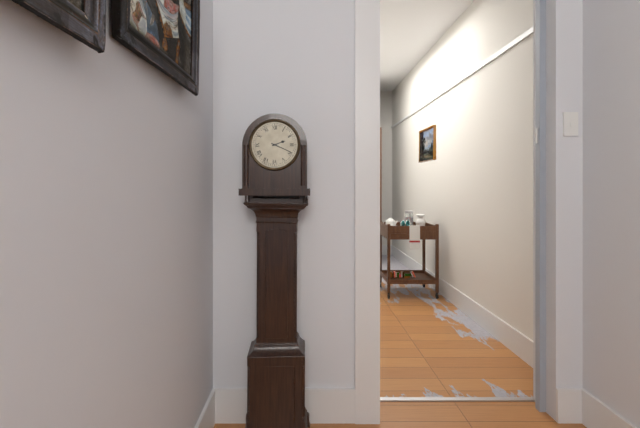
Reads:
{"hour": 2, "minute": 19}
